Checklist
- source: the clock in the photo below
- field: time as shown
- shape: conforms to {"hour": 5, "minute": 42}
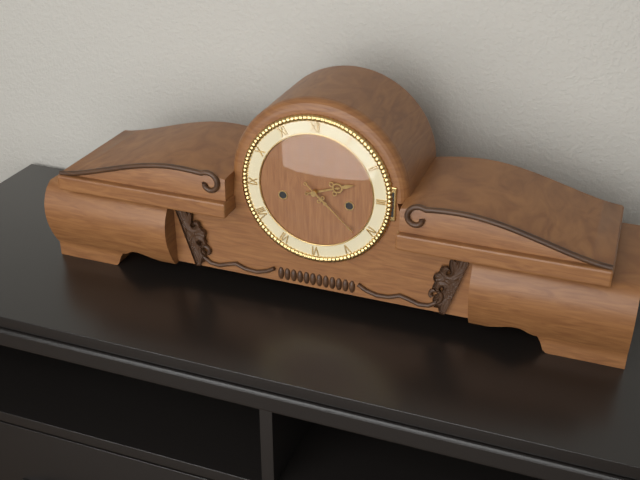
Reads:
{"hour": 2, "minute": 22}
